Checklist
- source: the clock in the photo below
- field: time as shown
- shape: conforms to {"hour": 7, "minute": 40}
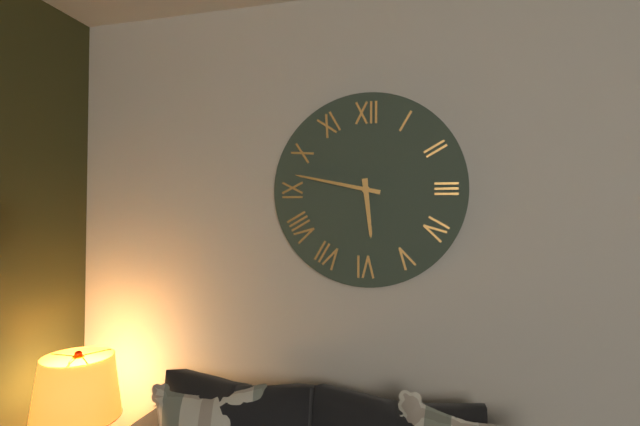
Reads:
{"hour": 5, "minute": 47}
